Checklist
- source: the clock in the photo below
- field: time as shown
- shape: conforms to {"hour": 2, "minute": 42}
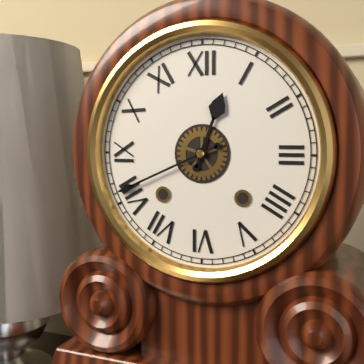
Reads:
{"hour": 12, "minute": 41}
